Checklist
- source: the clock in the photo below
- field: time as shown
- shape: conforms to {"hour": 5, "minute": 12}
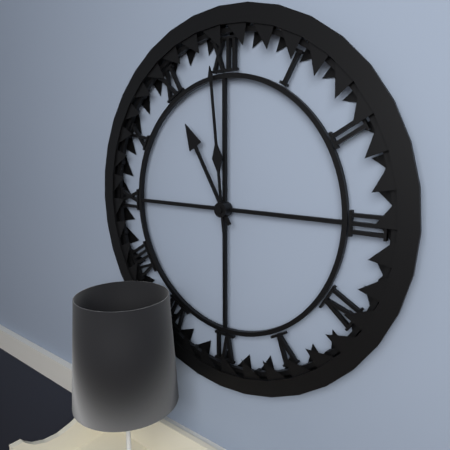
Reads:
{"hour": 10, "minute": 59}
